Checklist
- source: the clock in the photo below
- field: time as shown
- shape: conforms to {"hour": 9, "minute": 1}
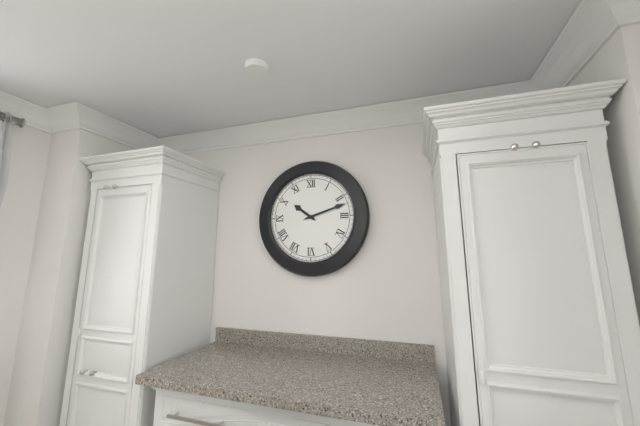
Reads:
{"hour": 10, "minute": 12}
